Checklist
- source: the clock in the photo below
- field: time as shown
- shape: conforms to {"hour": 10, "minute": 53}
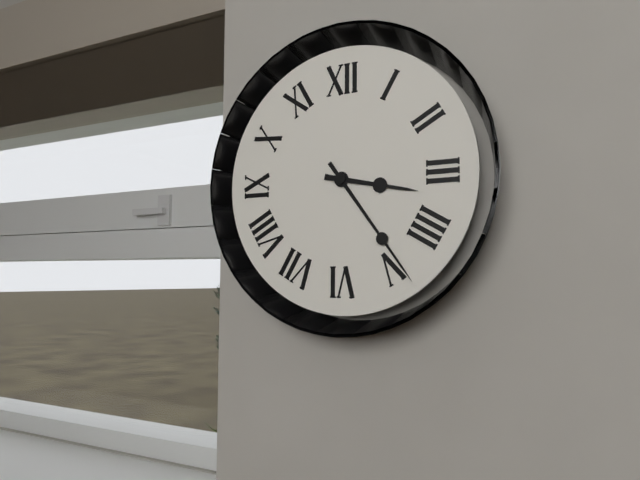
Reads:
{"hour": 3, "minute": 24}
